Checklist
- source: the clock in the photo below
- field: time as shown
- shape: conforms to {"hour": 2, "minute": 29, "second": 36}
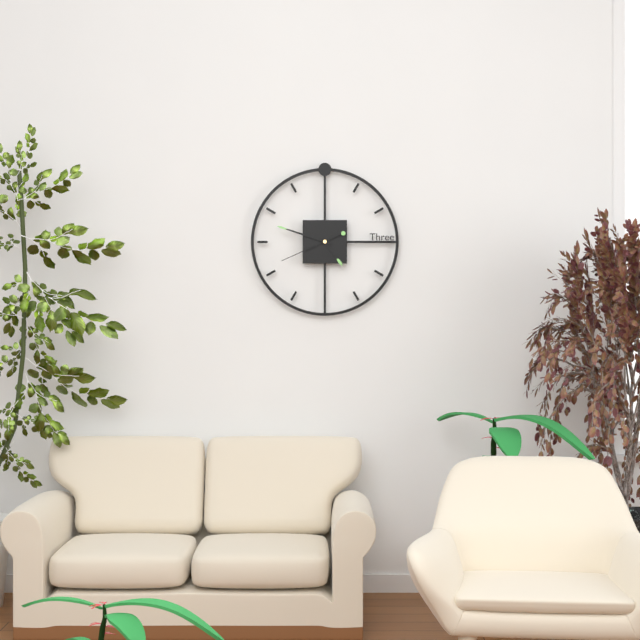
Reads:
{"hour": 4, "minute": 48, "second": 41}
